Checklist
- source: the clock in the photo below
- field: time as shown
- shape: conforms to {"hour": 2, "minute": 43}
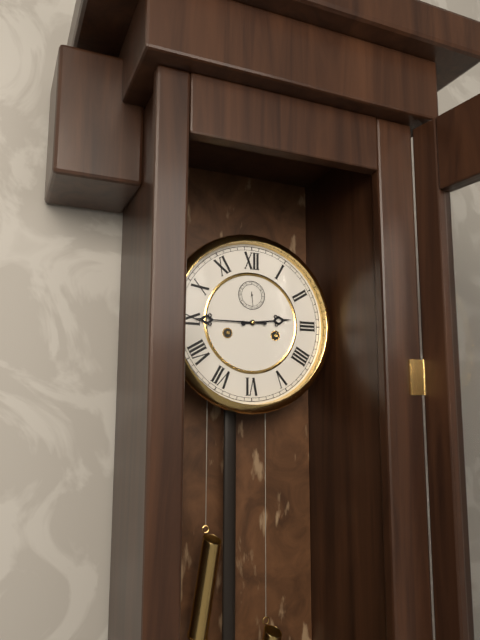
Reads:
{"hour": 2, "minute": 45}
